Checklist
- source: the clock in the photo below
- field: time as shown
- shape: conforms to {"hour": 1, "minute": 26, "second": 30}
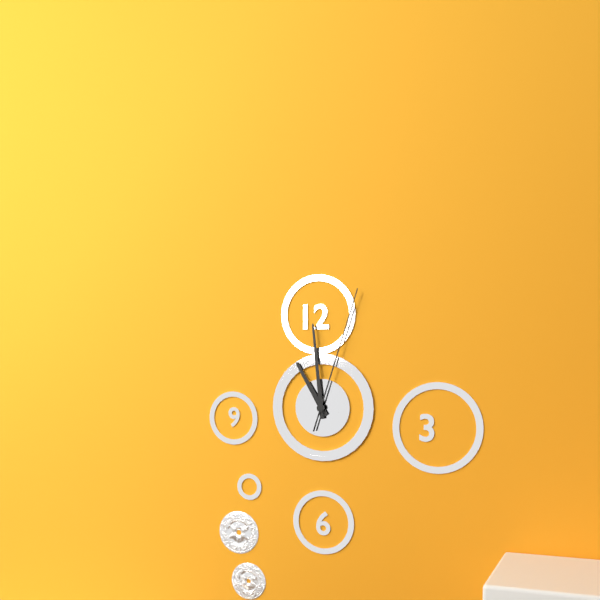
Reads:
{"hour": 10, "minute": 59, "second": 3}
